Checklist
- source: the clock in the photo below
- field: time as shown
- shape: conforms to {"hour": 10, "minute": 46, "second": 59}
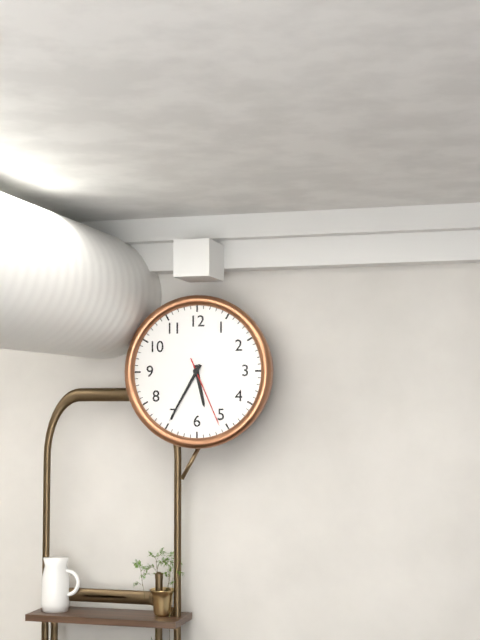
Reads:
{"hour": 5, "minute": 35, "second": 26}
